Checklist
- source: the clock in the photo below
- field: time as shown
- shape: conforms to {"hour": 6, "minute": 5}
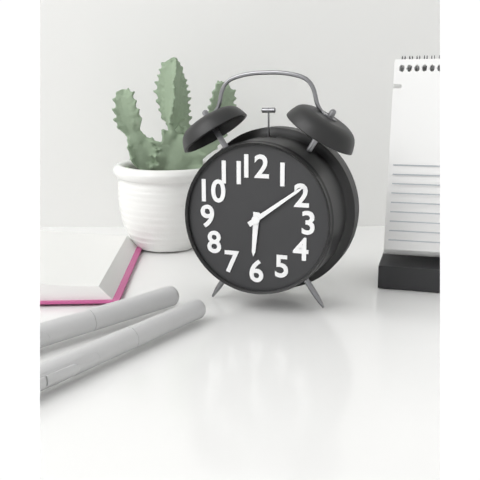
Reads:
{"hour": 6, "minute": 9}
